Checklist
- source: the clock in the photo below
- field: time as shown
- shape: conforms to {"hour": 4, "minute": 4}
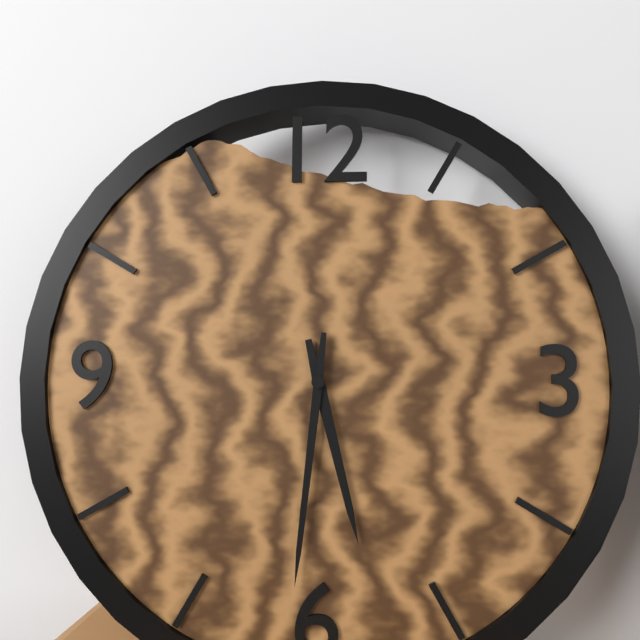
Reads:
{"hour": 5, "minute": 31}
